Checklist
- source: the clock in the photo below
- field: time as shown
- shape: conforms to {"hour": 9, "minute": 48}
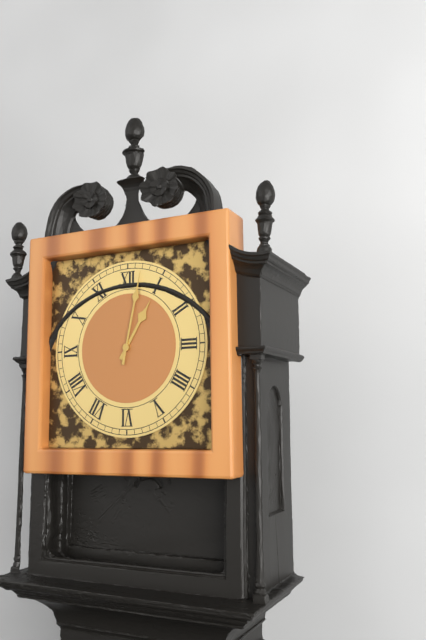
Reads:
{"hour": 1, "minute": 2}
